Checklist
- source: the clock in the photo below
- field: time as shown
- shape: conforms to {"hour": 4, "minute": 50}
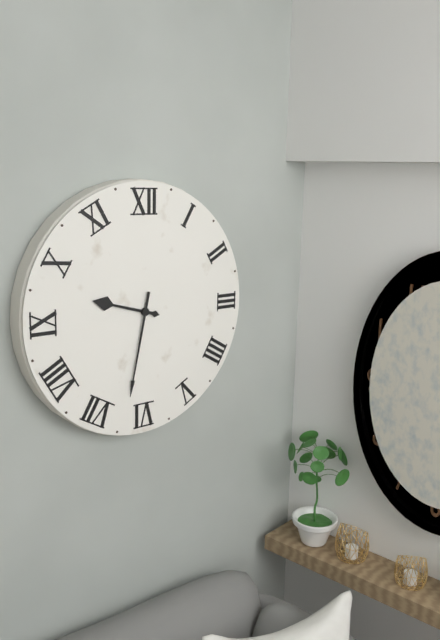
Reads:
{"hour": 9, "minute": 32}
